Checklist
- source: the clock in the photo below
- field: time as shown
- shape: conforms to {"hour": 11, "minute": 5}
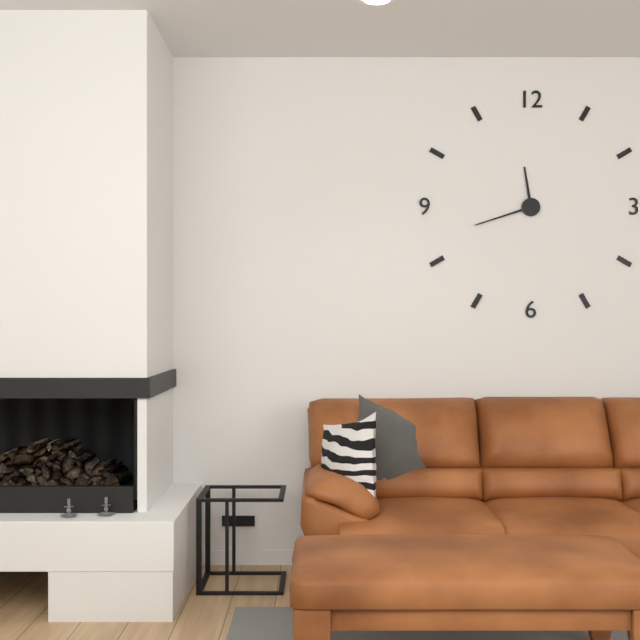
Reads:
{"hour": 11, "minute": 42}
